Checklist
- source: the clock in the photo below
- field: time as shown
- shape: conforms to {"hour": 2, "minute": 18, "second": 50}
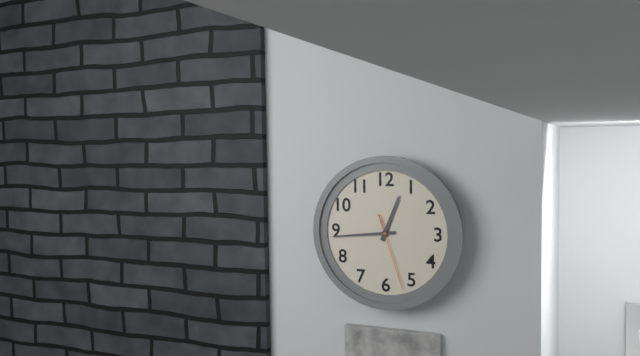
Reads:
{"hour": 12, "minute": 44, "second": 27}
